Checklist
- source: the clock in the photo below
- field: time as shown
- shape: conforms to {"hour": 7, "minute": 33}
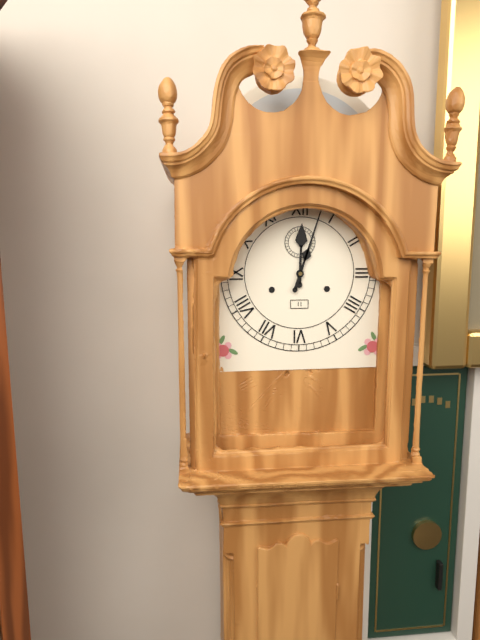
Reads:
{"hour": 12, "minute": 3}
